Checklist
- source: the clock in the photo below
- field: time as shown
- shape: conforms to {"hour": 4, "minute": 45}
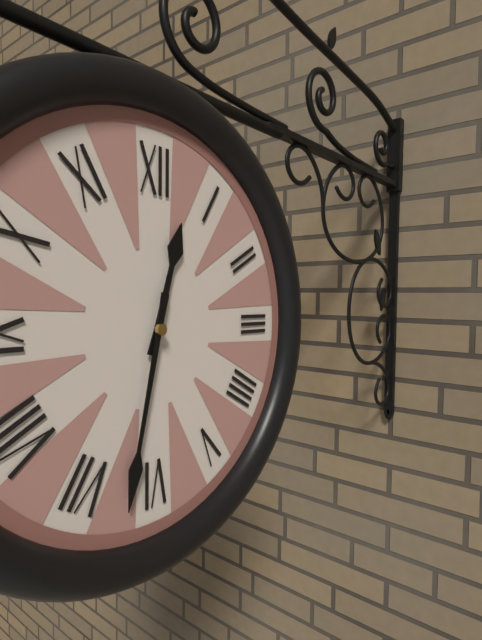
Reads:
{"hour": 12, "minute": 32}
